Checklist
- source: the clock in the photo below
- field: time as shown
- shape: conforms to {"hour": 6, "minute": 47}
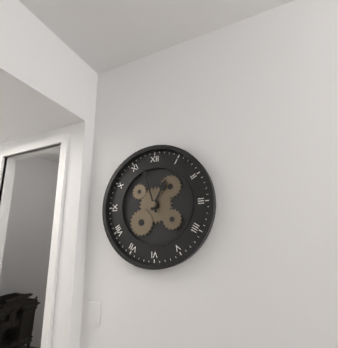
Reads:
{"hour": 12, "minute": 57}
